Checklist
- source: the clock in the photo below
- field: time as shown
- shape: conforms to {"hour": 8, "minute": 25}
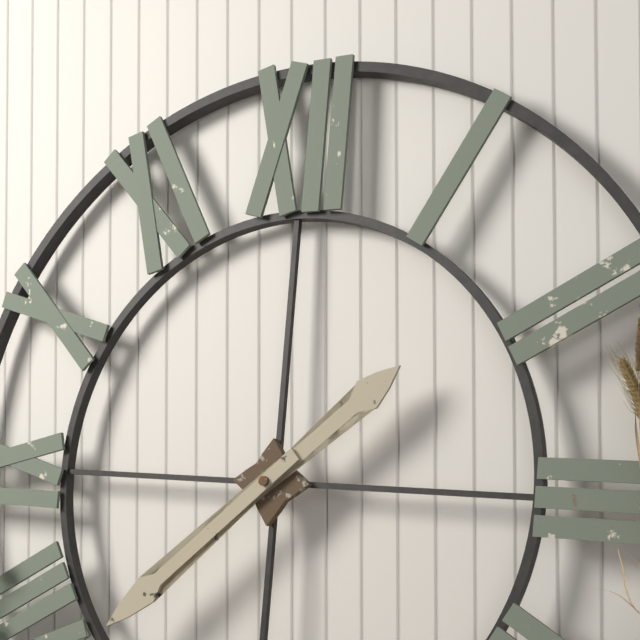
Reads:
{"hour": 1, "minute": 38}
